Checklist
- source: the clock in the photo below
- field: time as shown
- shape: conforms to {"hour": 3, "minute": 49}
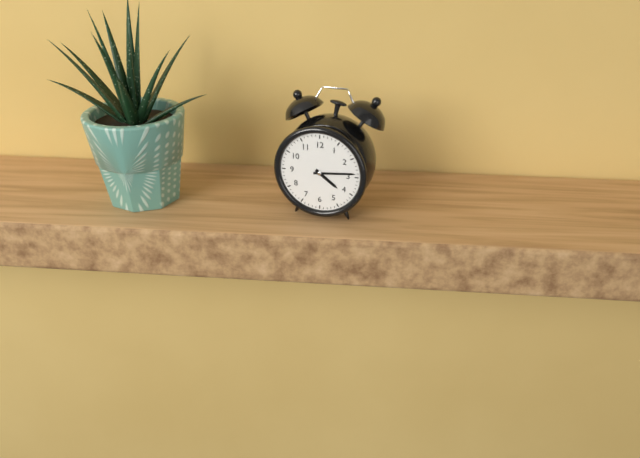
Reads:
{"hour": 4, "minute": 14}
